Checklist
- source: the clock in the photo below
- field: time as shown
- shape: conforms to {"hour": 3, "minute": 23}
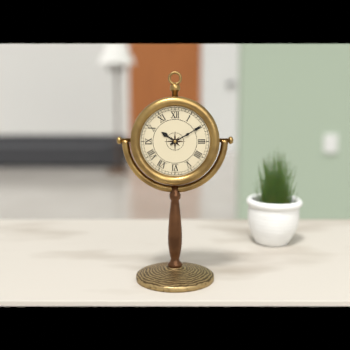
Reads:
{"hour": 10, "minute": 10}
